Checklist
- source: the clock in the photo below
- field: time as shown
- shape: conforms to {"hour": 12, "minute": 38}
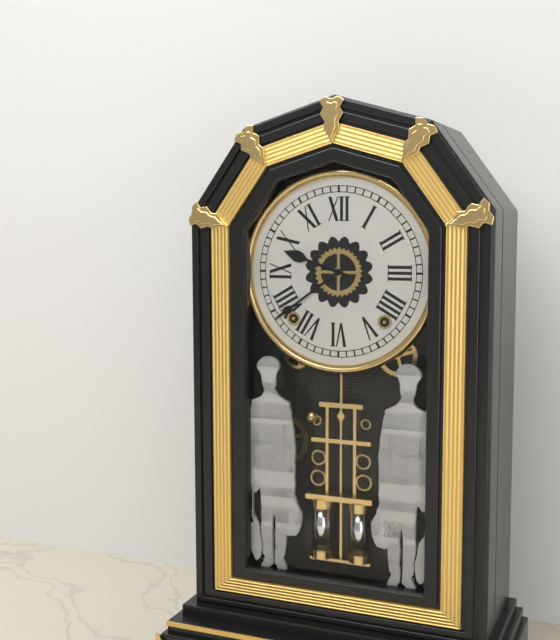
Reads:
{"hour": 9, "minute": 39}
